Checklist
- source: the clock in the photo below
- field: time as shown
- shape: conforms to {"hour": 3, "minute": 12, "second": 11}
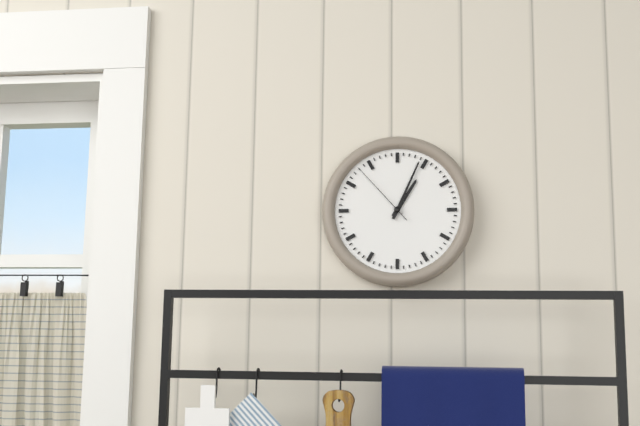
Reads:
{"hour": 1, "minute": 4, "second": 53}
